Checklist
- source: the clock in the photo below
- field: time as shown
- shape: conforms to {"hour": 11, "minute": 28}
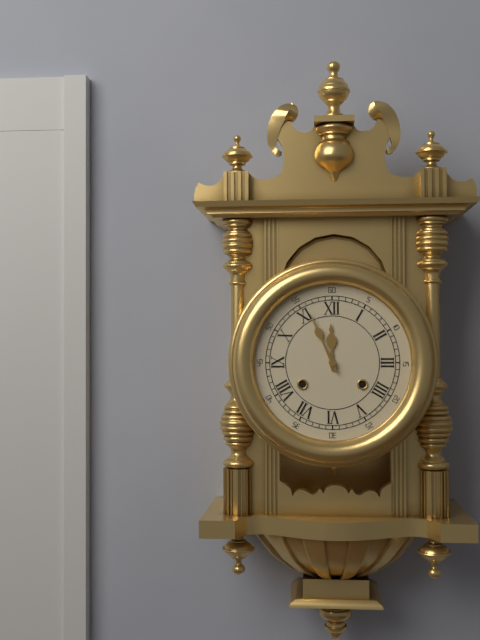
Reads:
{"hour": 11, "minute": 56}
